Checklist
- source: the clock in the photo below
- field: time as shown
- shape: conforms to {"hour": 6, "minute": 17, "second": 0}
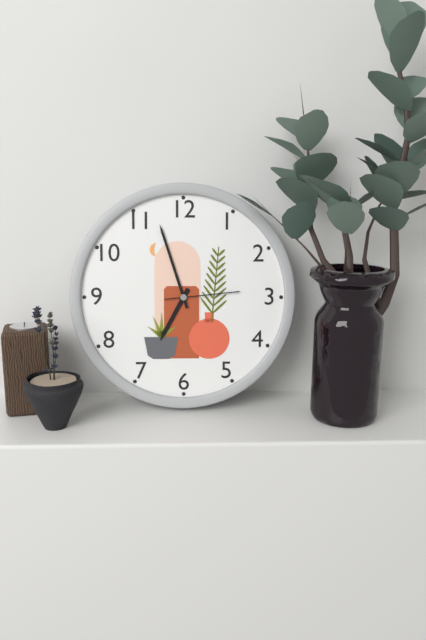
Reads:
{"hour": 6, "minute": 57, "second": 14}
